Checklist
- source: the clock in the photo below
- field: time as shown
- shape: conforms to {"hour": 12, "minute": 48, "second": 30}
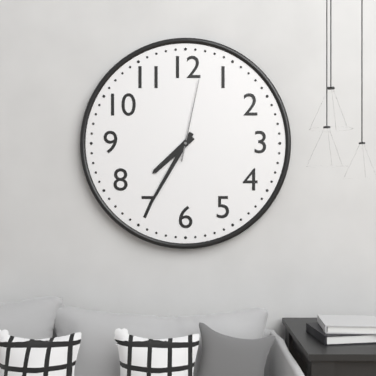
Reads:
{"hour": 7, "minute": 35, "second": 2}
